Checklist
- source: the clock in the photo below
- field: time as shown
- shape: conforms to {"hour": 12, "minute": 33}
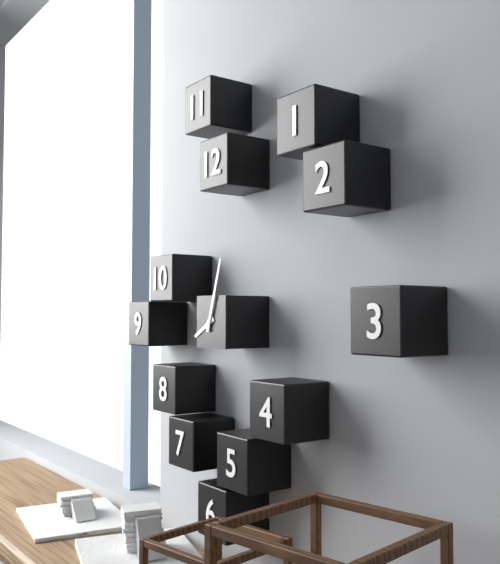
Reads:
{"hour": 8, "minute": 3}
